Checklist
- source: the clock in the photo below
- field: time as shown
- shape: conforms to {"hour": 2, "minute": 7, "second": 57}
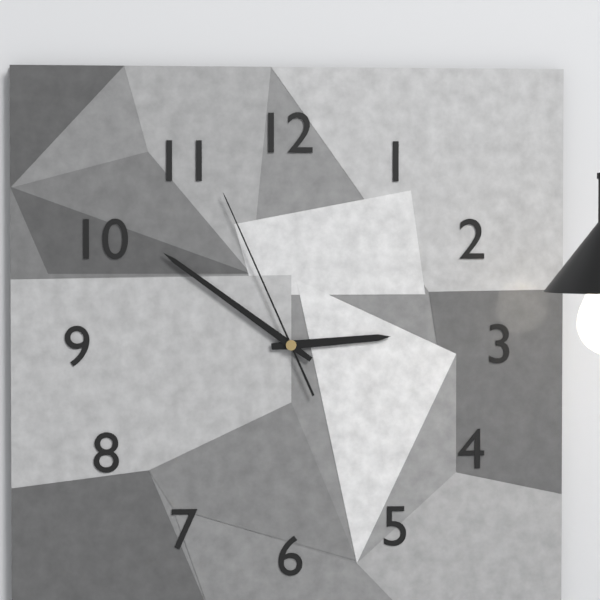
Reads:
{"hour": 2, "minute": 51, "second": 56}
